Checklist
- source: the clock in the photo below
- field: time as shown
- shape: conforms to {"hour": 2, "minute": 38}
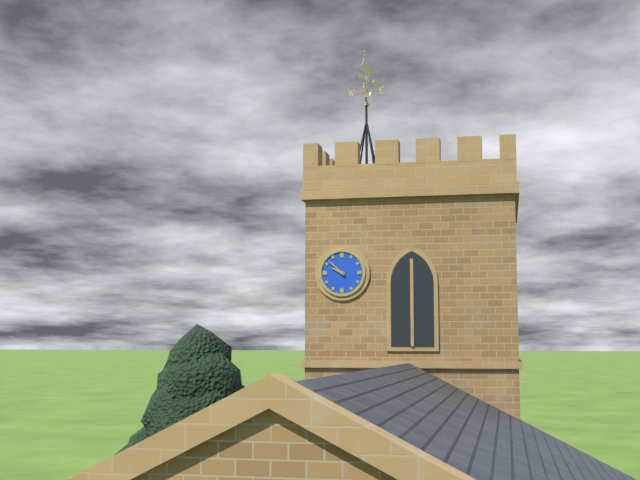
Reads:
{"hour": 9, "minute": 52}
